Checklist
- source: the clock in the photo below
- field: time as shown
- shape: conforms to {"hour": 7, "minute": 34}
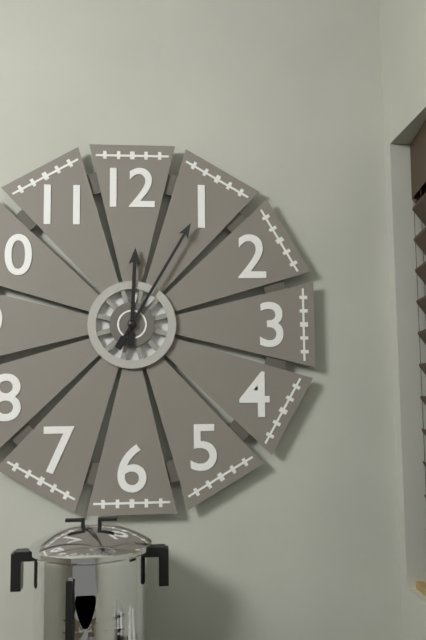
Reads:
{"hour": 12, "minute": 5}
